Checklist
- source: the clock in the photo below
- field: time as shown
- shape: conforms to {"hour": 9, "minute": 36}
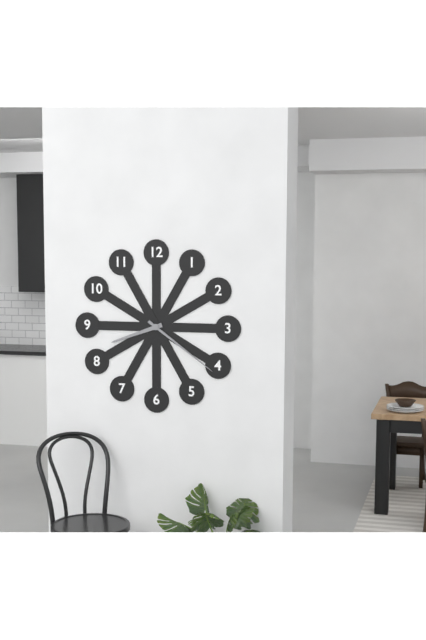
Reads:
{"hour": 8, "minute": 21}
